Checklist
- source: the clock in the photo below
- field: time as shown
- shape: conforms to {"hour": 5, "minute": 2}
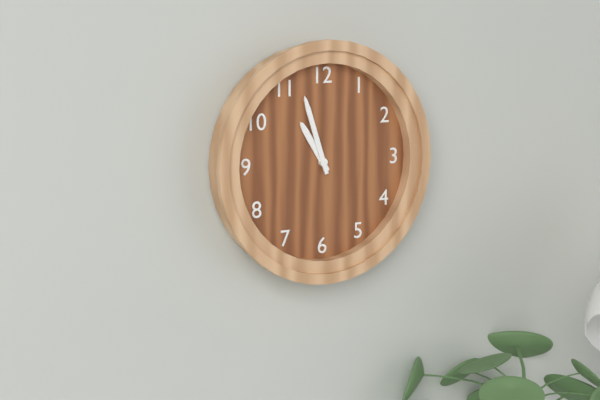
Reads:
{"hour": 10, "minute": 57}
